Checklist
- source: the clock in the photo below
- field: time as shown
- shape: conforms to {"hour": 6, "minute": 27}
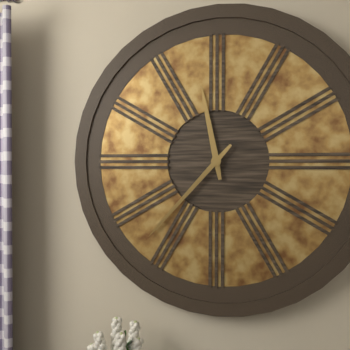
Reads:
{"hour": 11, "minute": 37}
